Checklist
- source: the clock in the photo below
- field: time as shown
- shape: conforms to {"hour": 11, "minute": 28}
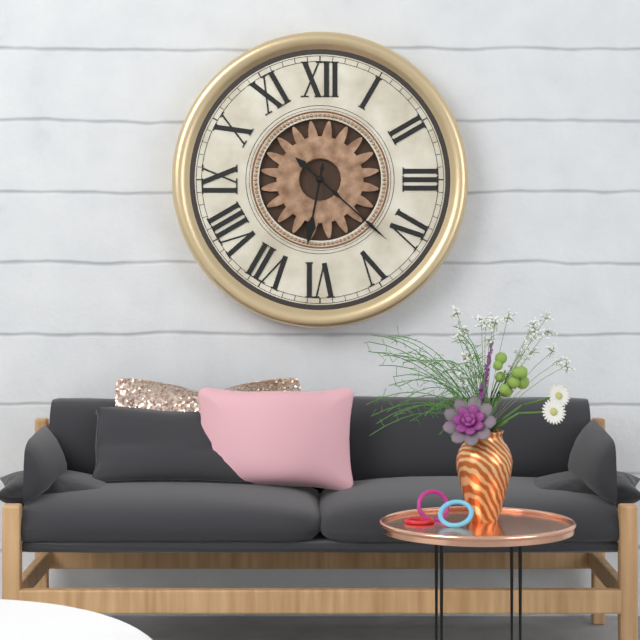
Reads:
{"hour": 6, "minute": 22}
